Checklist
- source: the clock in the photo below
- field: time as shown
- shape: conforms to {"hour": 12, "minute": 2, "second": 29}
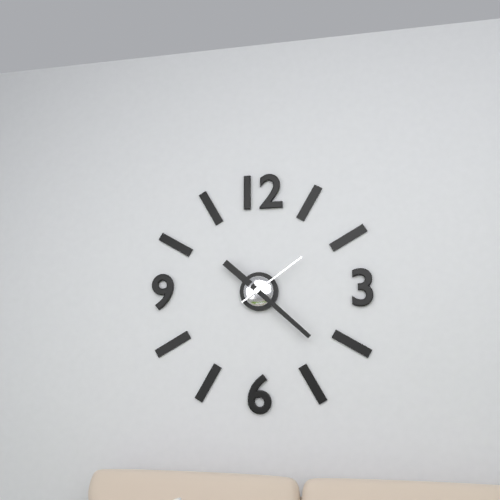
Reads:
{"hour": 10, "minute": 22, "second": 9}
